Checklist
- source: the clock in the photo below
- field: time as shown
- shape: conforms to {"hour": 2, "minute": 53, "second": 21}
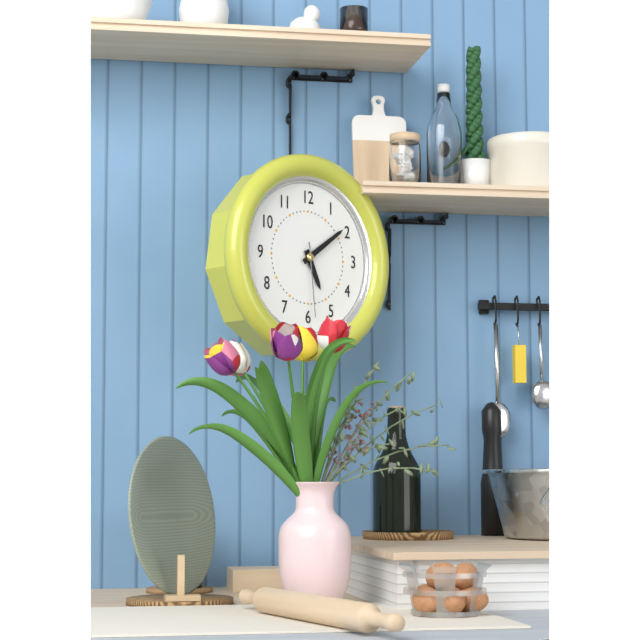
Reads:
{"hour": 5, "minute": 9, "second": 29}
